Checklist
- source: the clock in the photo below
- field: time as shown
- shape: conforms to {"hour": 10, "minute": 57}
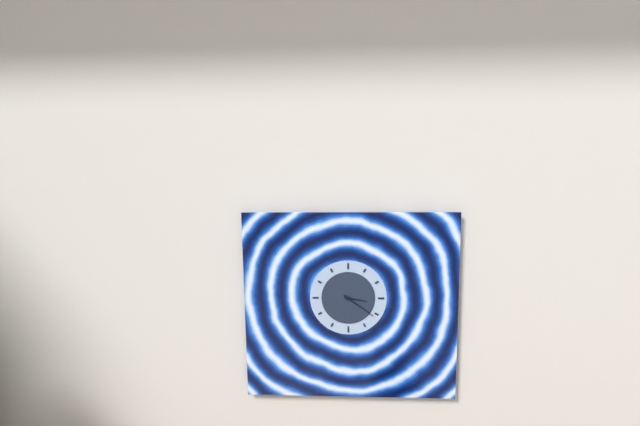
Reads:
{"hour": 3, "minute": 21}
